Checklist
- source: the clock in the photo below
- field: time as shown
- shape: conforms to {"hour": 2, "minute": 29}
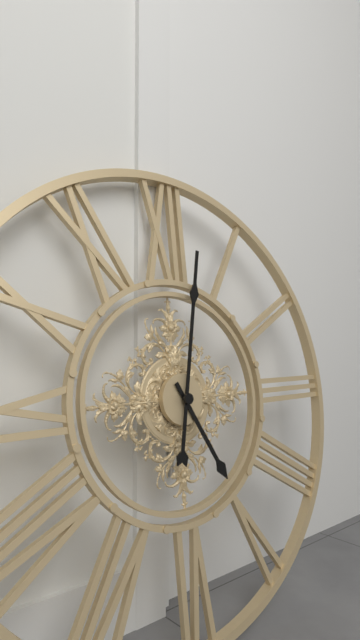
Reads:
{"hour": 5, "minute": 2}
